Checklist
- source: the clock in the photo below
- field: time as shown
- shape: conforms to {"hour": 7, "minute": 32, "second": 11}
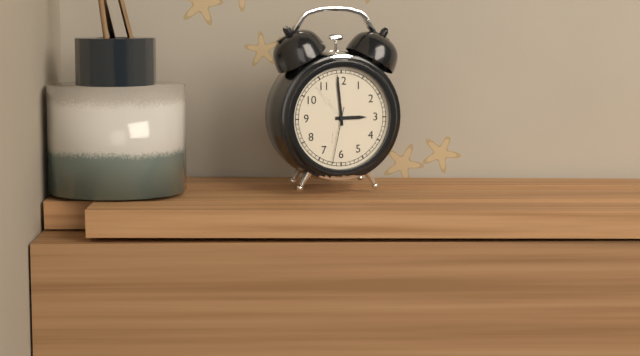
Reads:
{"hour": 2, "minute": 59, "second": 32}
